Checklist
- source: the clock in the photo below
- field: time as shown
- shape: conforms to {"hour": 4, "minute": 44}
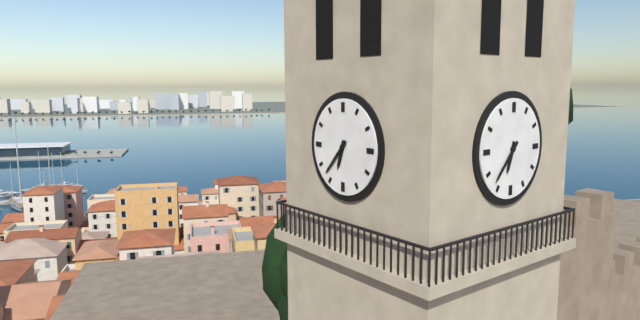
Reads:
{"hour": 6, "minute": 37}
